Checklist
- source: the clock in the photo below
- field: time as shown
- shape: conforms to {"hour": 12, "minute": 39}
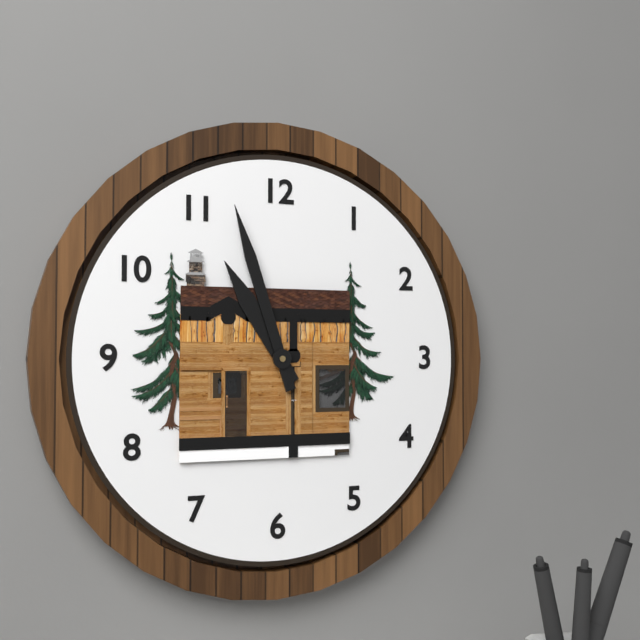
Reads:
{"hour": 10, "minute": 57}
